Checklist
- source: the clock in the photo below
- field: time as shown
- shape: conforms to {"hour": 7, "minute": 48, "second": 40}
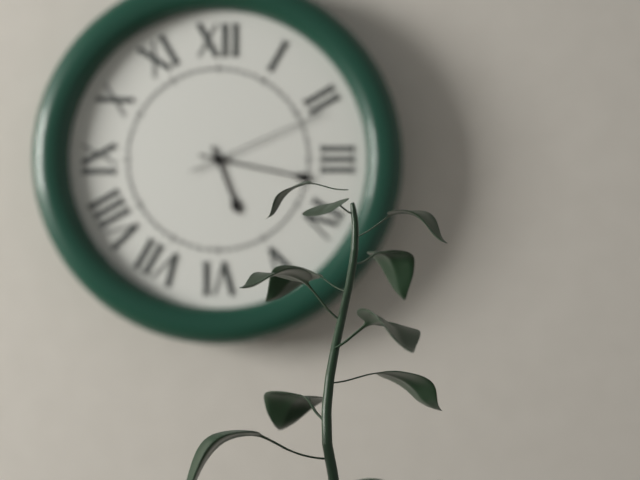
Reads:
{"hour": 5, "minute": 17, "second": 11}
